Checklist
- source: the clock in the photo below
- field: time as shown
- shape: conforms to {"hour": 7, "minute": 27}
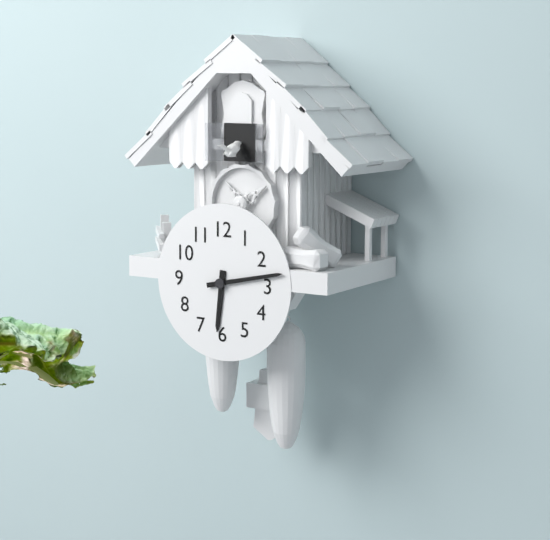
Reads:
{"hour": 6, "minute": 13}
